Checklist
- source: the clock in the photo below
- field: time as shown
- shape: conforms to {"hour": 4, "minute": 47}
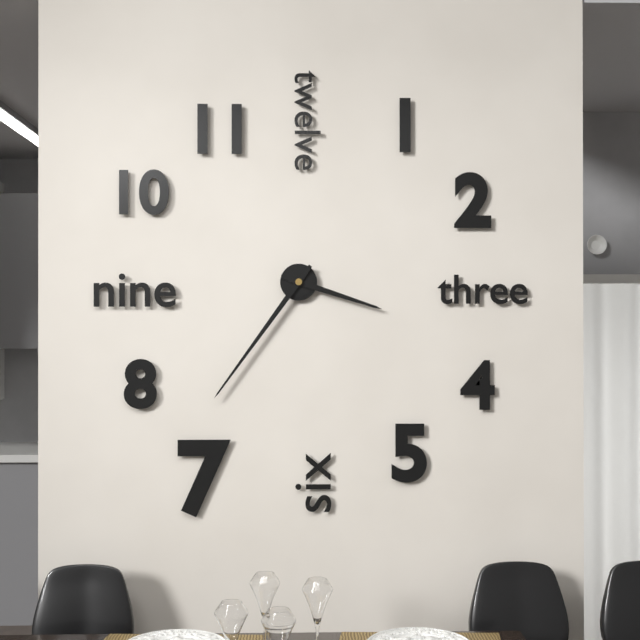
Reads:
{"hour": 3, "minute": 36}
